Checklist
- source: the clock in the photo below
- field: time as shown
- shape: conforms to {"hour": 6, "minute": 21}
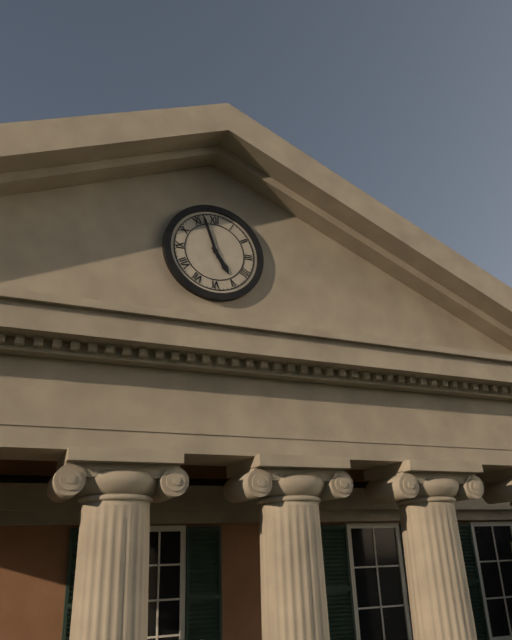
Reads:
{"hour": 4, "minute": 57}
